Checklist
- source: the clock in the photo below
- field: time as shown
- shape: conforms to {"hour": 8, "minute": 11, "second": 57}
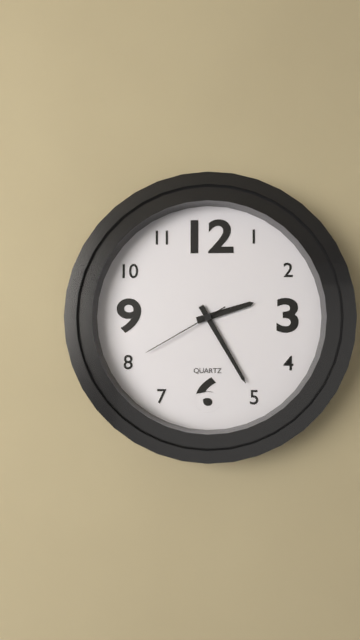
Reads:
{"hour": 2, "minute": 25, "second": 40}
